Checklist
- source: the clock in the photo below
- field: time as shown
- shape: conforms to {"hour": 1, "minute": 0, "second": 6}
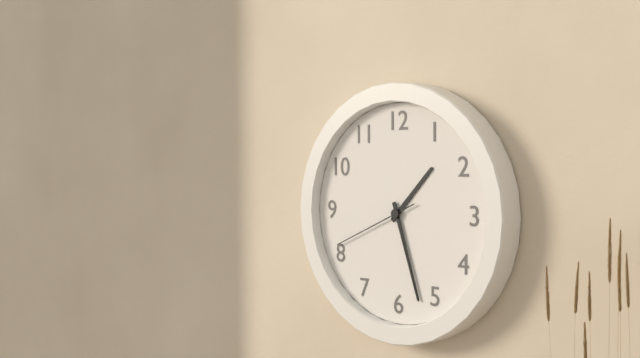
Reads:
{"hour": 1, "minute": 27, "second": 41}
